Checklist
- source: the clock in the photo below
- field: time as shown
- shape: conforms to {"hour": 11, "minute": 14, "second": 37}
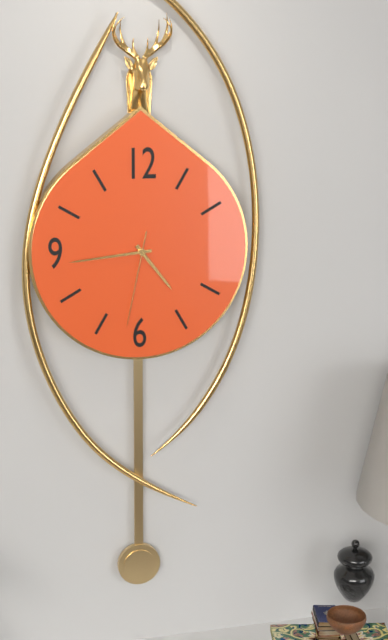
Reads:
{"hour": 4, "minute": 44, "second": 32}
